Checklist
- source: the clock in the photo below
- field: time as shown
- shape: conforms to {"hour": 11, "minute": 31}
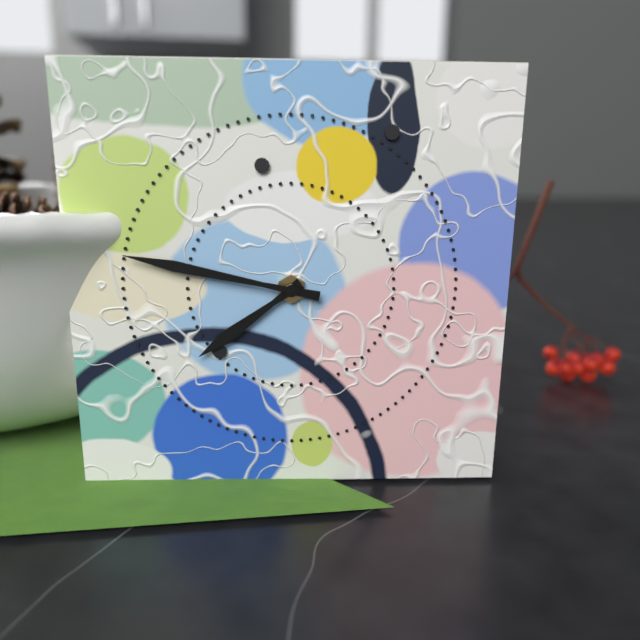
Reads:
{"hour": 7, "minute": 47}
